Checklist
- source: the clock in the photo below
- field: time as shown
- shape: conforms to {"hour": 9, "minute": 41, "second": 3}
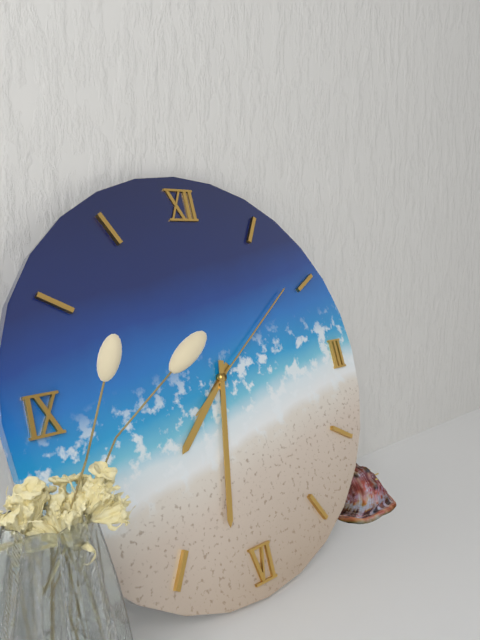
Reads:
{"hour": 7, "minute": 32, "second": 9}
